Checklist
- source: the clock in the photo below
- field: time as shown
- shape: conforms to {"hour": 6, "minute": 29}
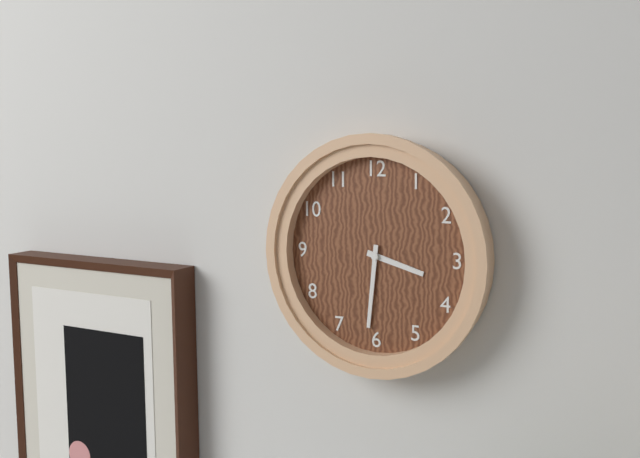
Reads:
{"hour": 3, "minute": 31}
